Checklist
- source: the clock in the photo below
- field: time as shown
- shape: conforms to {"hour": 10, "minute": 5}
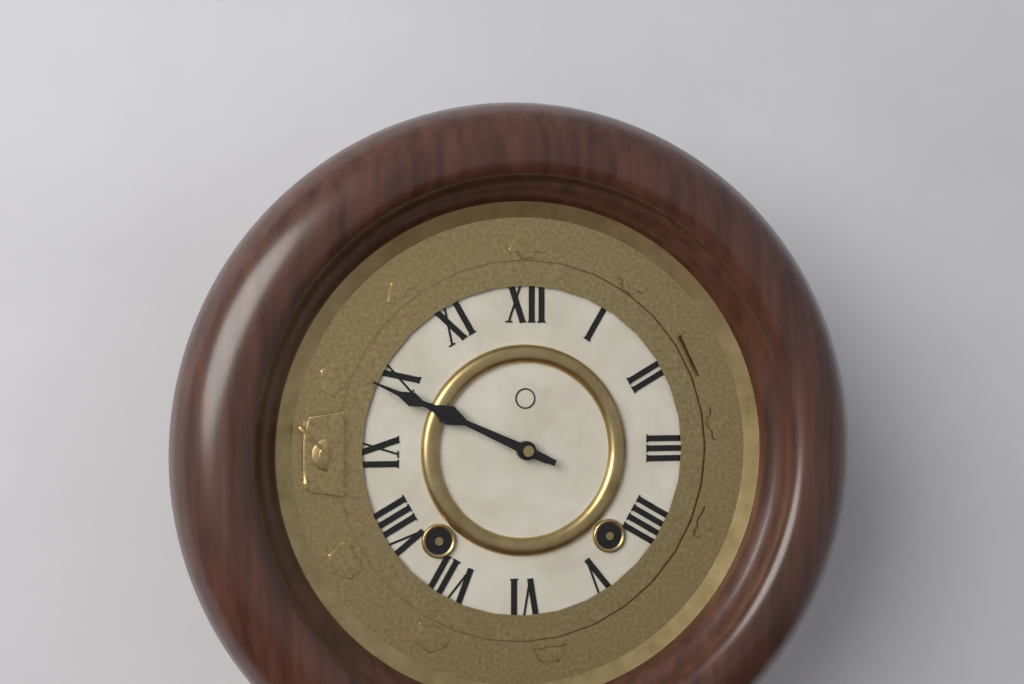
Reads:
{"hour": 9, "minute": 49}
